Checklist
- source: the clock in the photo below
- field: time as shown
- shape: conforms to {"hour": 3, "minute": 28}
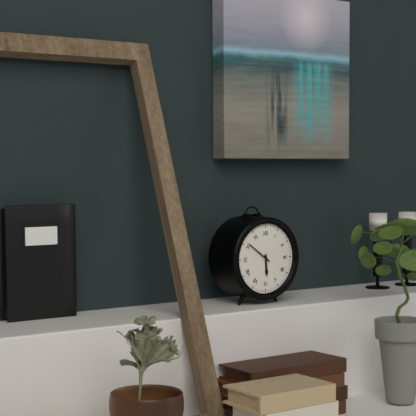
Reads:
{"hour": 5, "minute": 51}
